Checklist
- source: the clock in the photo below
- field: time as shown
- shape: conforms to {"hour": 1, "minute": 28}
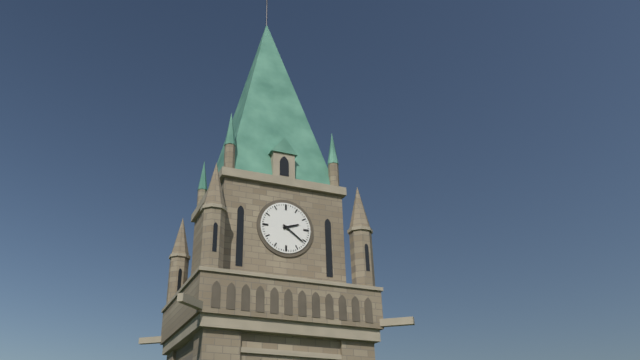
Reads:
{"hour": 2, "minute": 21}
